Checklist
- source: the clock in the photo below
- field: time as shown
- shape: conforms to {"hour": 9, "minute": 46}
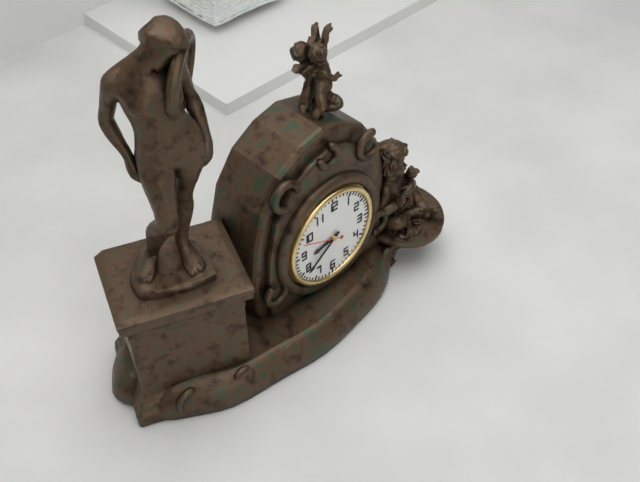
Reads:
{"hour": 8, "minute": 39}
